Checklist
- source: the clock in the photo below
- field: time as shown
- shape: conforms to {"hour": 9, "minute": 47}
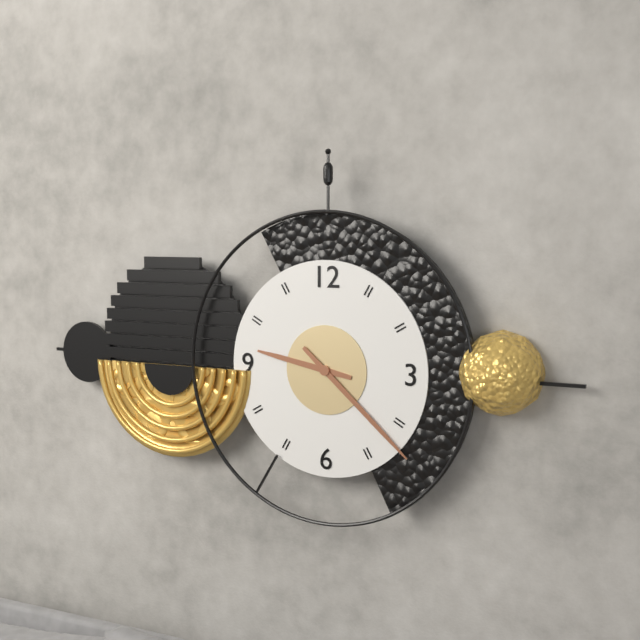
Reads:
{"hour": 9, "minute": 22}
